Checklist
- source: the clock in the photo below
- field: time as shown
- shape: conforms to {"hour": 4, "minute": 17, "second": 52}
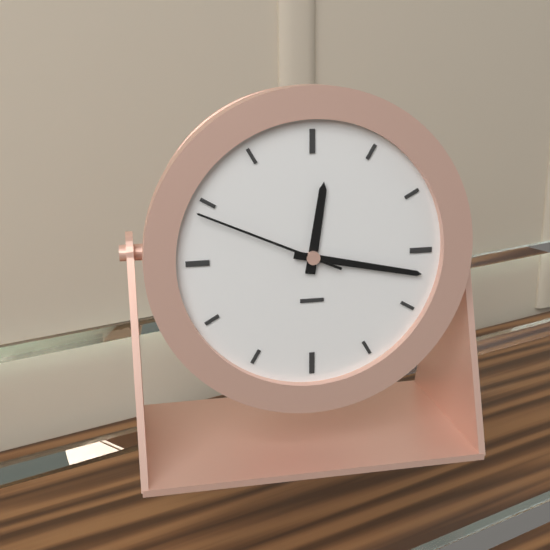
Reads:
{"hour": 12, "minute": 17, "second": 49}
